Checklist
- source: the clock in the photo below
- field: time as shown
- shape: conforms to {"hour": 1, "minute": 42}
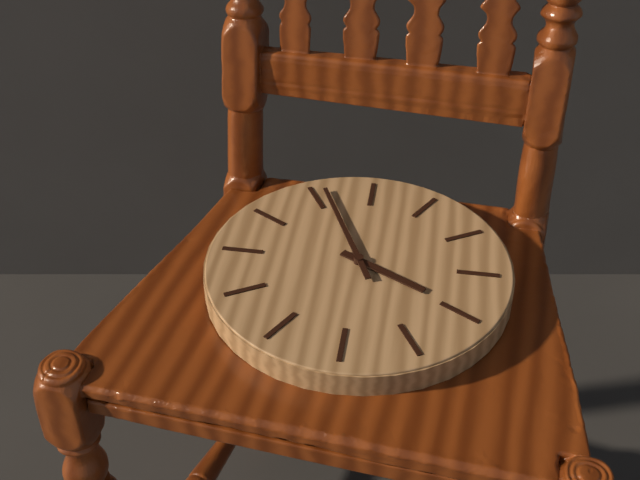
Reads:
{"hour": 3, "minute": 56}
